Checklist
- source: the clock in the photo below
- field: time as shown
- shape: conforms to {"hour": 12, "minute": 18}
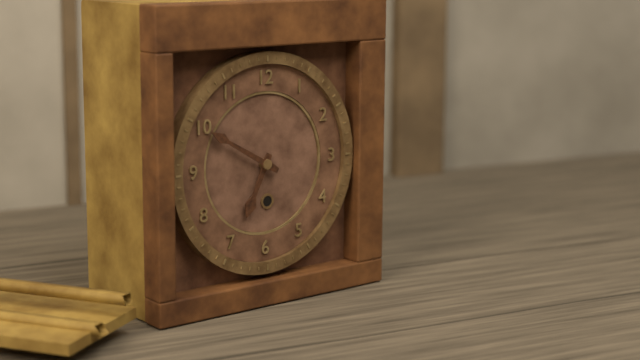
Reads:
{"hour": 6, "minute": 50}
